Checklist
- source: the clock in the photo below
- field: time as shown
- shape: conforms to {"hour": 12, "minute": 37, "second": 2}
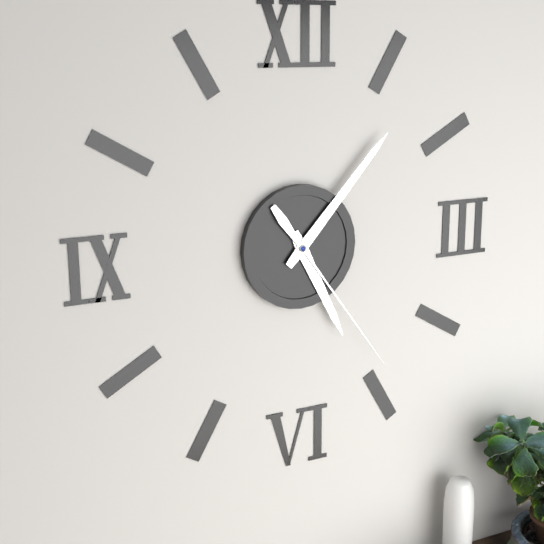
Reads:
{"hour": 5, "minute": 7, "second": 24}
